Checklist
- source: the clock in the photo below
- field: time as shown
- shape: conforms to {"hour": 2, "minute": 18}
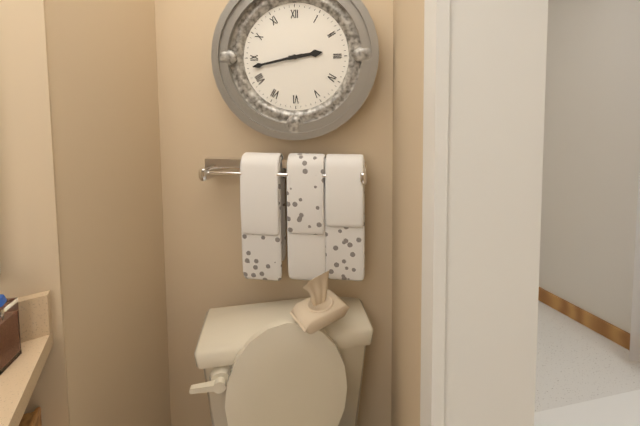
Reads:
{"hour": 2, "minute": 43}
